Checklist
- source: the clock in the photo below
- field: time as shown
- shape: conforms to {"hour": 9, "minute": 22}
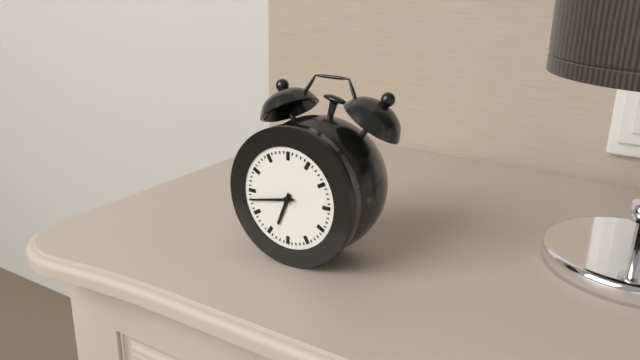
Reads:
{"hour": 6, "minute": 43}
